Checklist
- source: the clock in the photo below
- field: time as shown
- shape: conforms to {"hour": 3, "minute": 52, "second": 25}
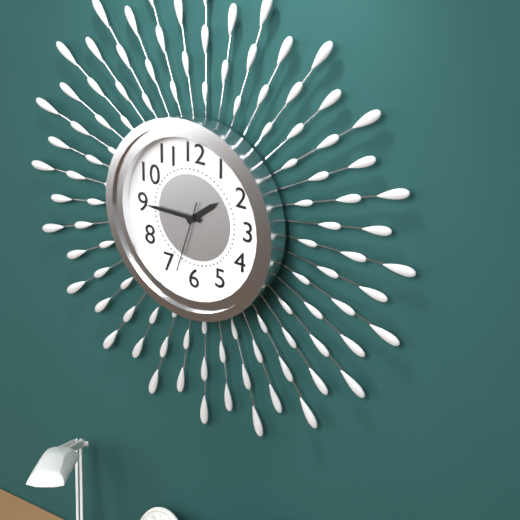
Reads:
{"hour": 1, "minute": 45, "second": 33}
